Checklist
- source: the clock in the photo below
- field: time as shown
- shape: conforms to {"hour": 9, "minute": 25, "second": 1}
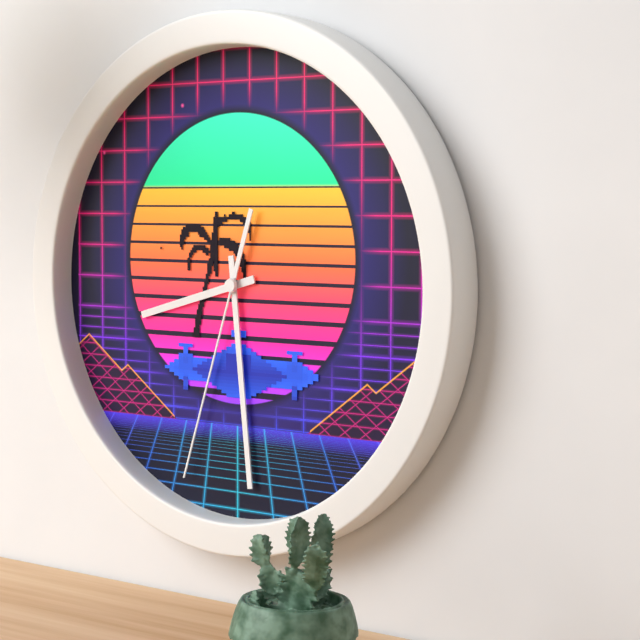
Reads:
{"hour": 8, "minute": 29, "second": 33}
